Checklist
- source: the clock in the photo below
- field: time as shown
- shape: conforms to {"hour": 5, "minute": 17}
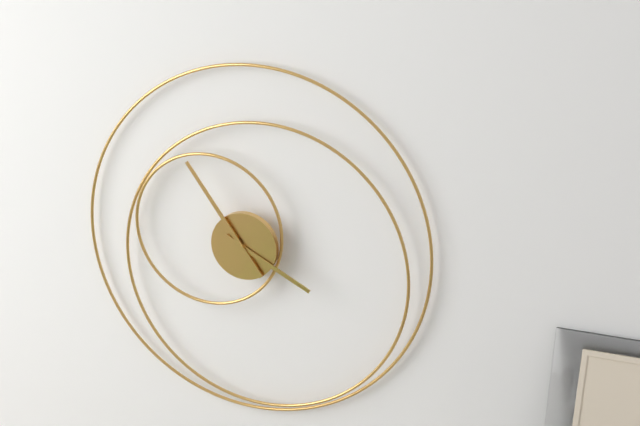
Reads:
{"hour": 3, "minute": 54}
